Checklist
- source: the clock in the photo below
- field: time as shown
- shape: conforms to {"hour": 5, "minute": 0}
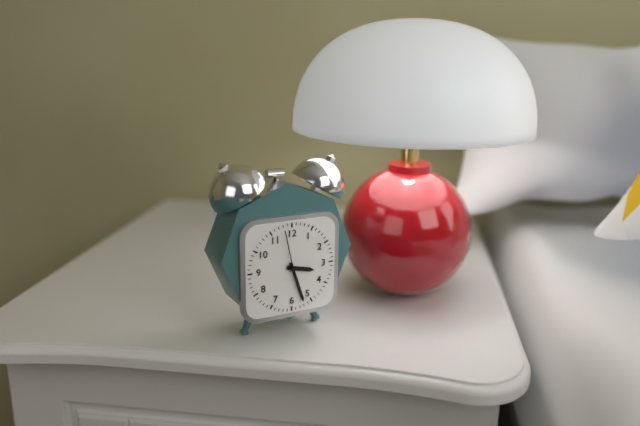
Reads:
{"hour": 3, "minute": 27}
